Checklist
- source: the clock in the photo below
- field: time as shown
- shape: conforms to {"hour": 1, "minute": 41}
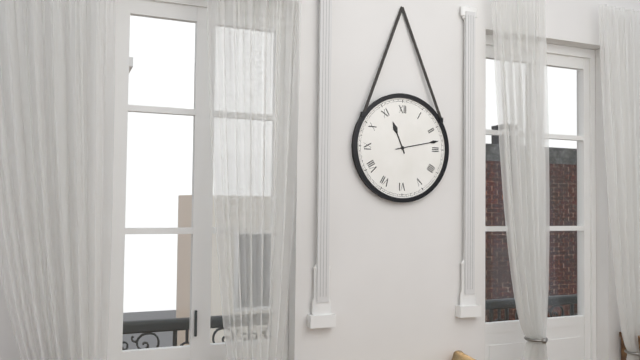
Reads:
{"hour": 11, "minute": 13}
